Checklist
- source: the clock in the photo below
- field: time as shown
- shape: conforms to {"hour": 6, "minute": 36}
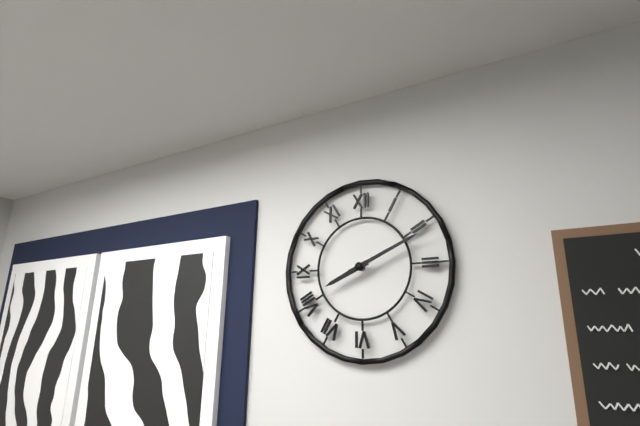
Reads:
{"hour": 8, "minute": 11}
